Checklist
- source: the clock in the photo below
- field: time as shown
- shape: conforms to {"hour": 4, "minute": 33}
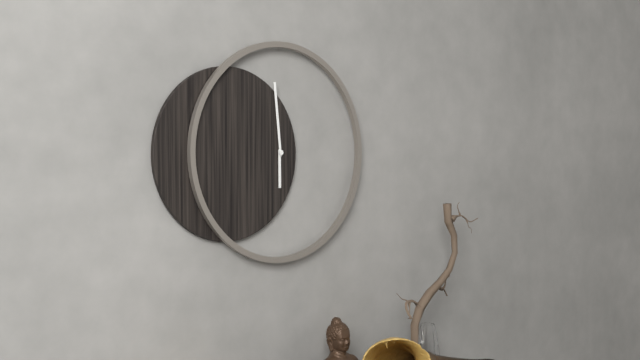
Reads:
{"hour": 5, "minute": 59}
